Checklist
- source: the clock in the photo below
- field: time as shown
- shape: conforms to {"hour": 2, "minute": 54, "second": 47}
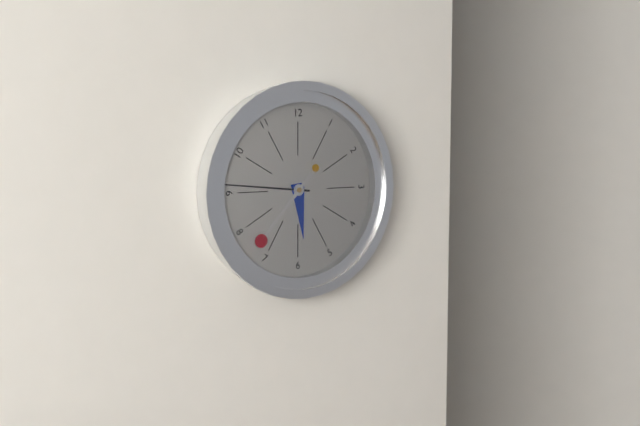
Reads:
{"hour": 5, "minute": 46, "second": 37}
